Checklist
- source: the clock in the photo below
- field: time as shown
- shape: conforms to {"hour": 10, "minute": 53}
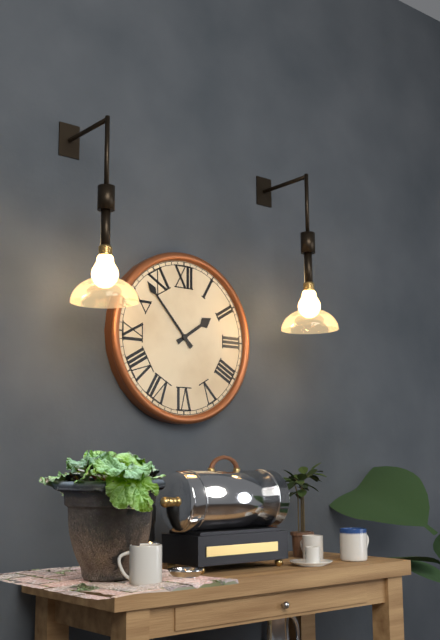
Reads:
{"hour": 1, "minute": 53}
